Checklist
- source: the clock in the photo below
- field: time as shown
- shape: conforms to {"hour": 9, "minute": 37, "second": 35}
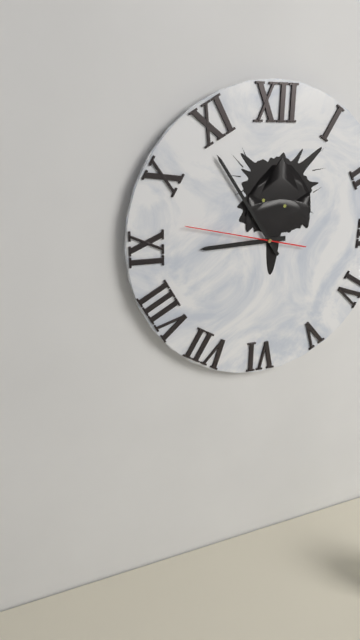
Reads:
{"hour": 8, "minute": 54, "second": 47}
